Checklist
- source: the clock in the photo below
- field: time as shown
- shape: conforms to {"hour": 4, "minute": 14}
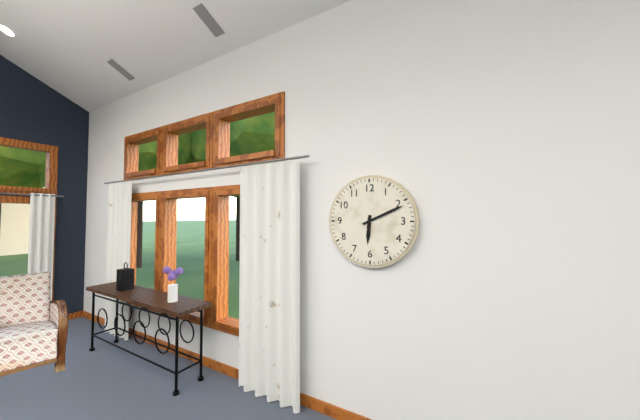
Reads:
{"hour": 6, "minute": 11}
